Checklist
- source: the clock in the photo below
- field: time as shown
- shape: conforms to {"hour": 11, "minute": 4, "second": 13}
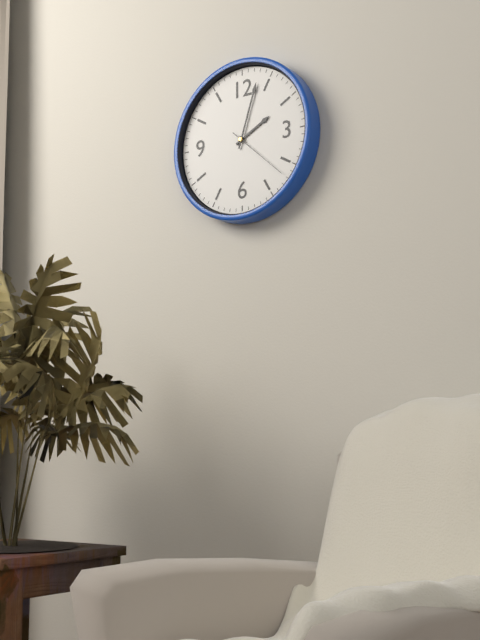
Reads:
{"hour": 2, "minute": 3, "second": 22}
